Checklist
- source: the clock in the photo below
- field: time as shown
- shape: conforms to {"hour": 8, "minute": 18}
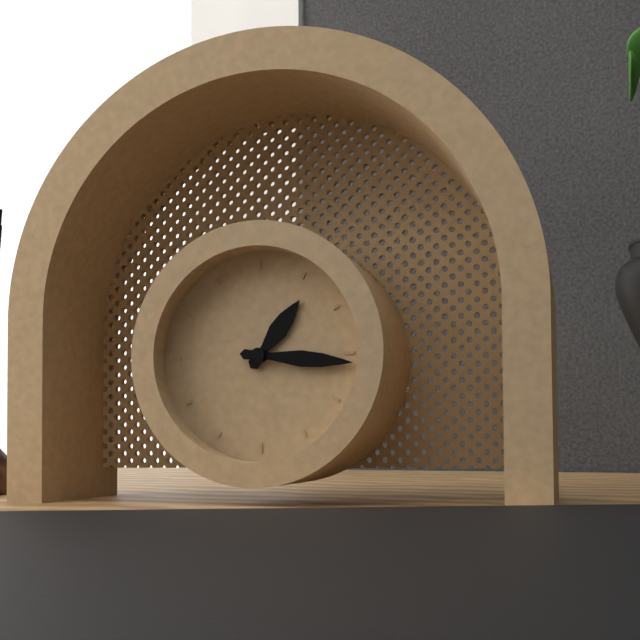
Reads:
{"hour": 1, "minute": 16}
